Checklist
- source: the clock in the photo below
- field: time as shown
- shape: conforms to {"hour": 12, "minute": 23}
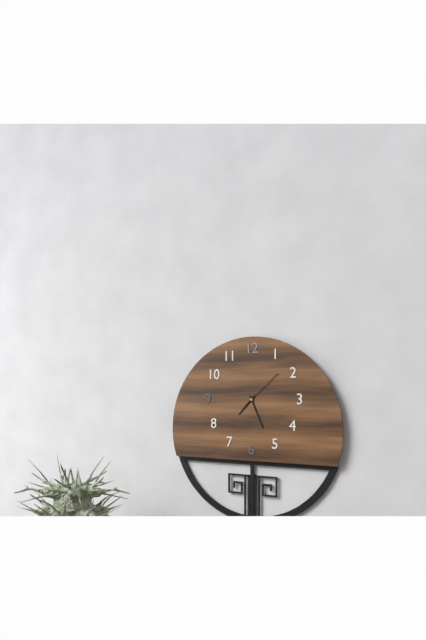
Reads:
{"hour": 7, "minute": 26}
